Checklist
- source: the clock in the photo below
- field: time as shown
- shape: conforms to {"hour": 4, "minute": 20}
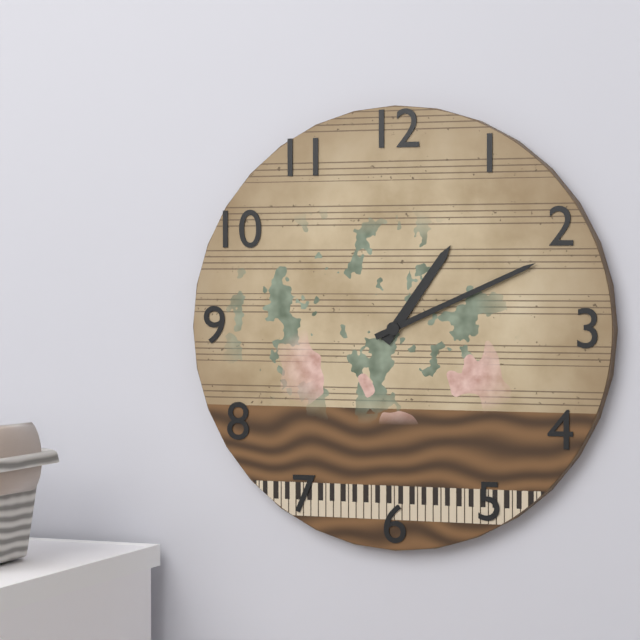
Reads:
{"hour": 1, "minute": 11}
